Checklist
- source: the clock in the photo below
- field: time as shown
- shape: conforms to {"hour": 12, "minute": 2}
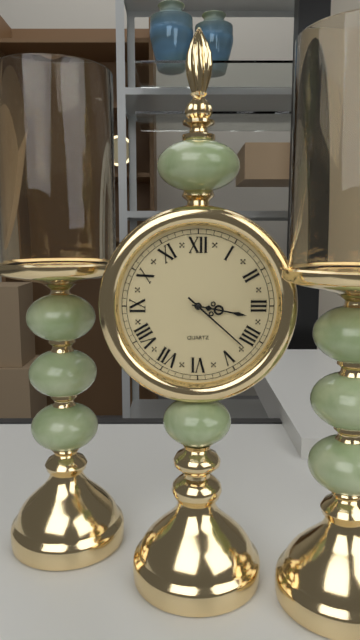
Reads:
{"hour": 3, "minute": 22}
